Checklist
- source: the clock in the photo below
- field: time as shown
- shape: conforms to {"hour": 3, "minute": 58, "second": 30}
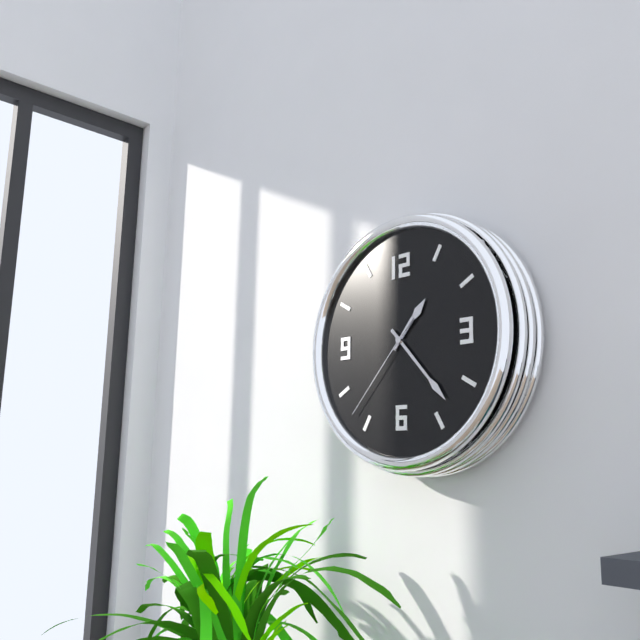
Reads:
{"hour": 1, "minute": 23, "second": 37}
